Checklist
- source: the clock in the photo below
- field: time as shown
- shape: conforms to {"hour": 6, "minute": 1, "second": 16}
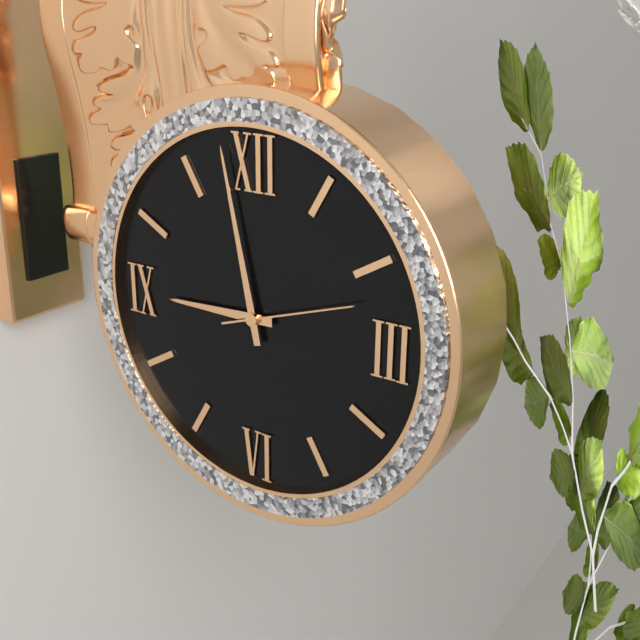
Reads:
{"hour": 8, "minute": 58, "second": 12}
